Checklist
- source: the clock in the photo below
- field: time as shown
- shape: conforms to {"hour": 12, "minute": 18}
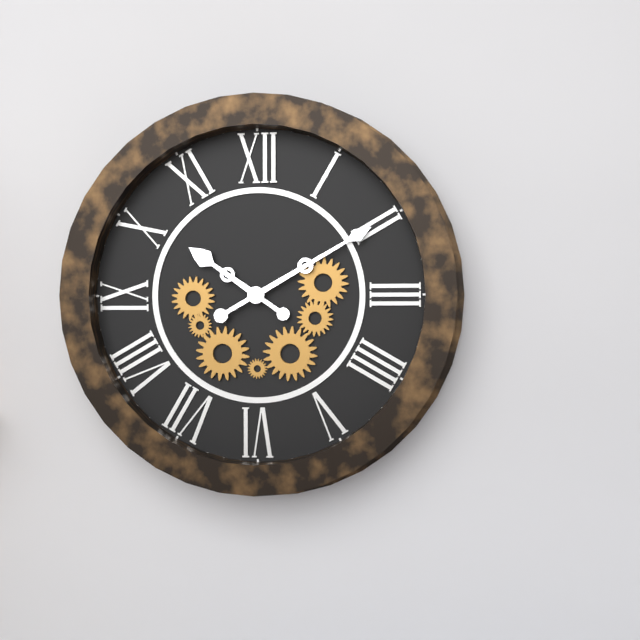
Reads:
{"hour": 10, "minute": 10}
